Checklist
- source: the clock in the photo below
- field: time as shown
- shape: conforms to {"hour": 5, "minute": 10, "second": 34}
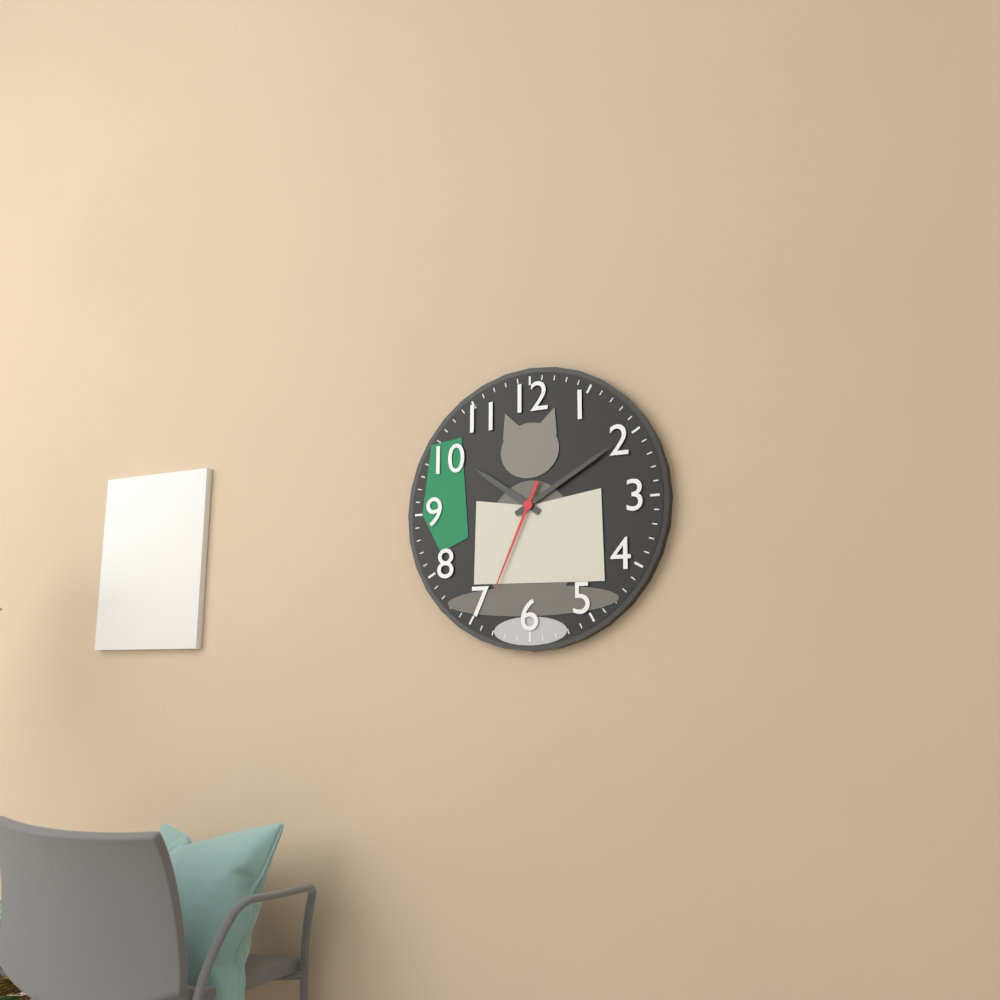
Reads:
{"hour": 10, "minute": 10, "second": 34}
